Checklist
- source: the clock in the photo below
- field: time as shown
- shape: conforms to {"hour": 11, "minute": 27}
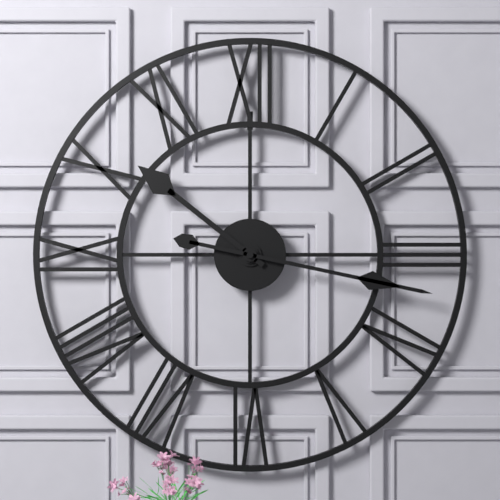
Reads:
{"hour": 10, "minute": 17}
